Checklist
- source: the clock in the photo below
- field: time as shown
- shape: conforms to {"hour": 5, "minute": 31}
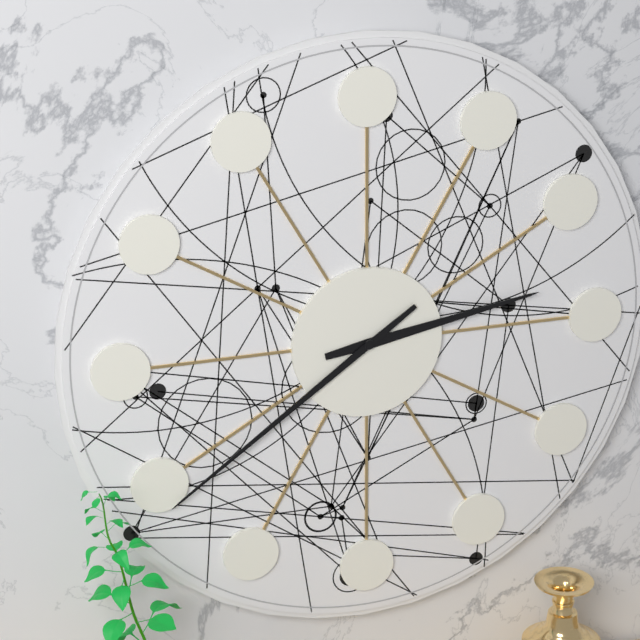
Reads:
{"hour": 2, "minute": 39}
